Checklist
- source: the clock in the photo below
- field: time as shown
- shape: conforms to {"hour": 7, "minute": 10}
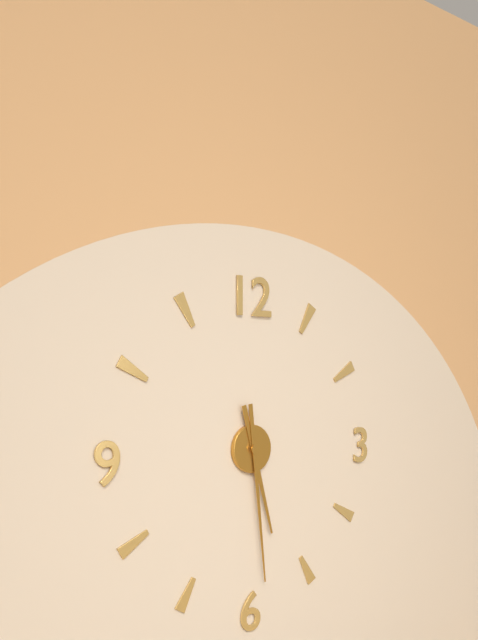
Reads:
{"hour": 5, "minute": 29}
